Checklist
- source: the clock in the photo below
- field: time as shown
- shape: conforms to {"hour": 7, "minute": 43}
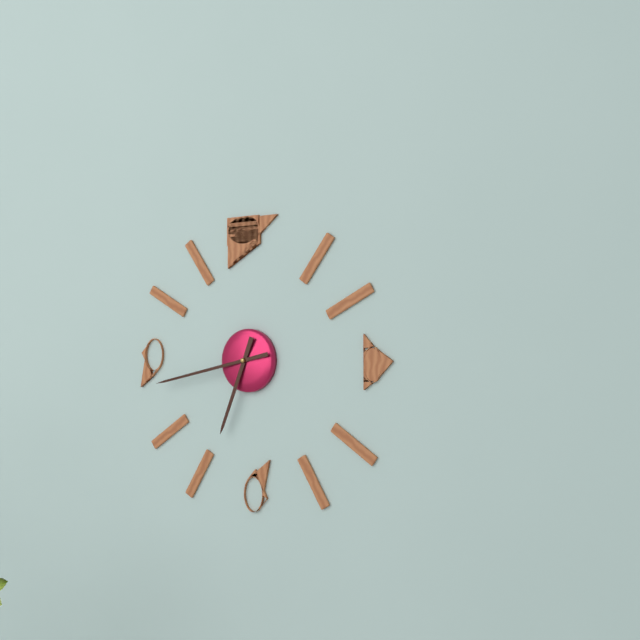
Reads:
{"hour": 6, "minute": 43}
